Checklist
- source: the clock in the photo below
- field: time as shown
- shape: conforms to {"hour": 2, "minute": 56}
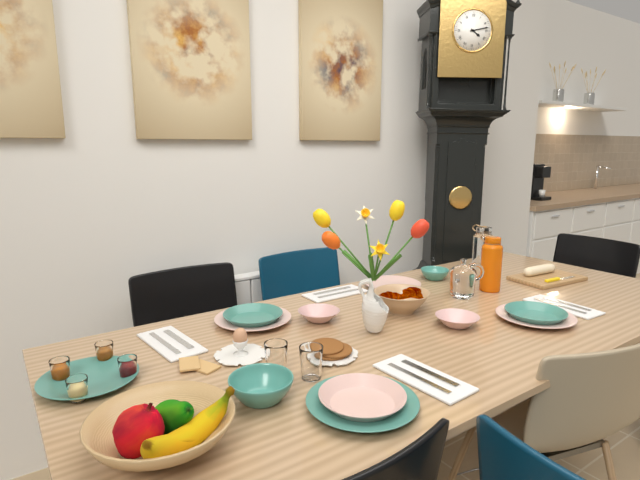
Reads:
{"hour": 4, "minute": 13}
